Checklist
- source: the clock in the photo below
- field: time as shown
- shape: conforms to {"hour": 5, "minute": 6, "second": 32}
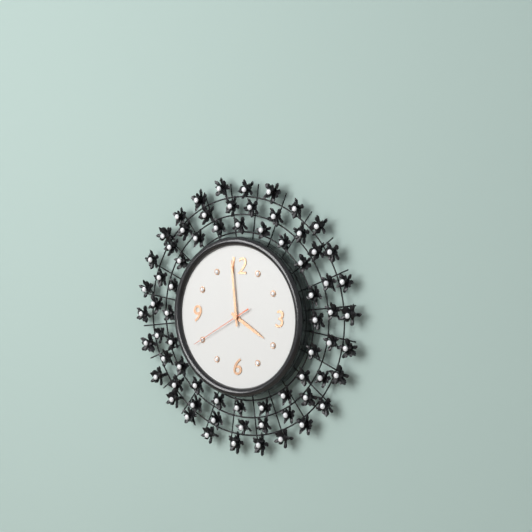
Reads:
{"hour": 3, "minute": 59, "second": 40}
